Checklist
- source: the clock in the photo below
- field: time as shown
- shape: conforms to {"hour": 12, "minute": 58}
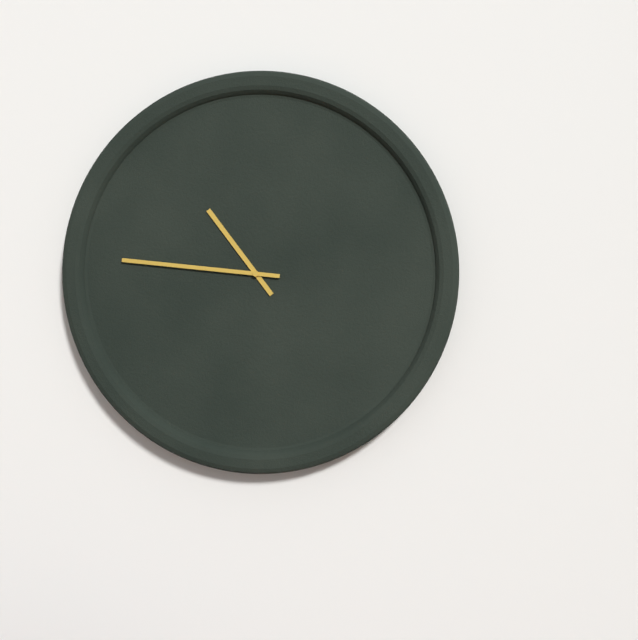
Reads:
{"hour": 10, "minute": 46}
